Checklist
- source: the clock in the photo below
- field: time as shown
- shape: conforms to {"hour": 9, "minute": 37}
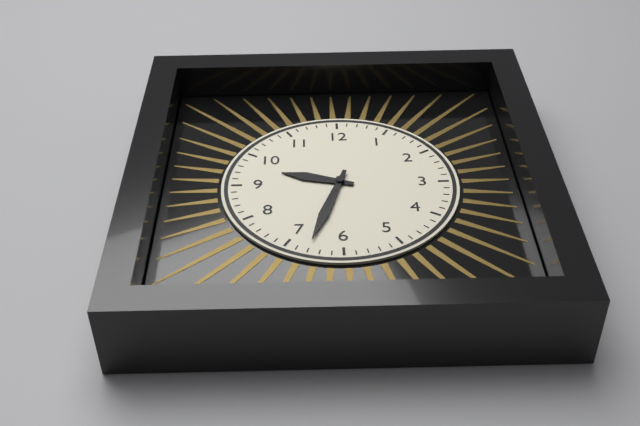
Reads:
{"hour": 9, "minute": 33}
